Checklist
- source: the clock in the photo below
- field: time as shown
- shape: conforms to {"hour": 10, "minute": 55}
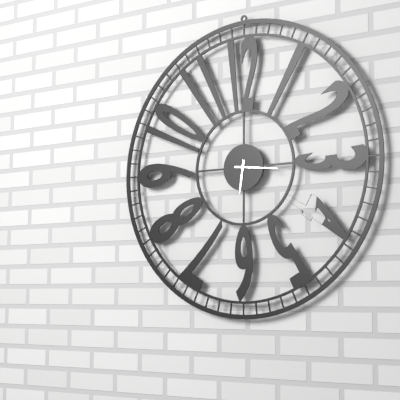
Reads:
{"hour": 6, "minute": 16}
